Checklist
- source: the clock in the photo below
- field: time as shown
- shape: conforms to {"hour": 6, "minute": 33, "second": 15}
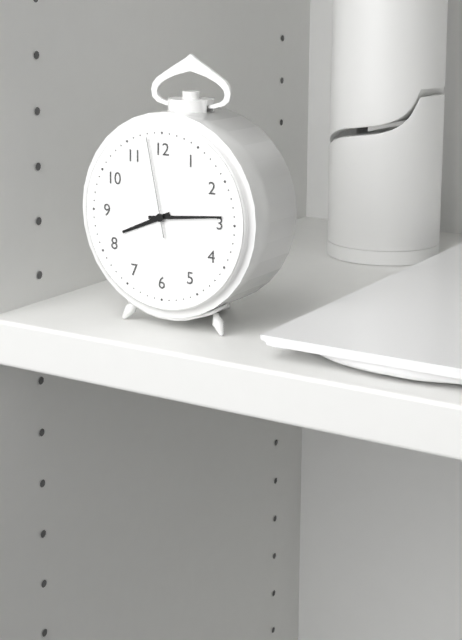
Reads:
{"hour": 8, "minute": 14, "second": 58}
